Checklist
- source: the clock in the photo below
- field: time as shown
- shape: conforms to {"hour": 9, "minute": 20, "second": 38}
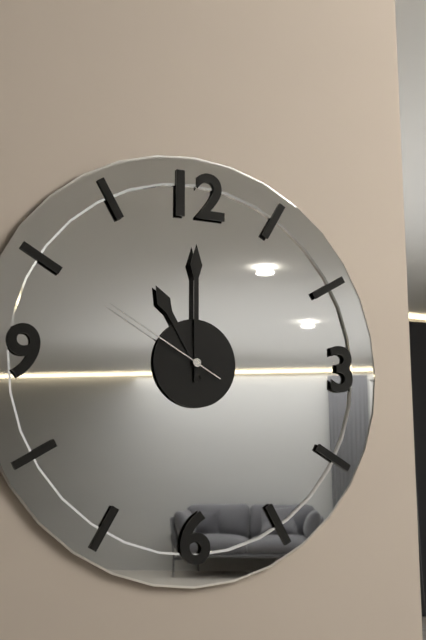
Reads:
{"hour": 11, "minute": 0, "second": 50}
